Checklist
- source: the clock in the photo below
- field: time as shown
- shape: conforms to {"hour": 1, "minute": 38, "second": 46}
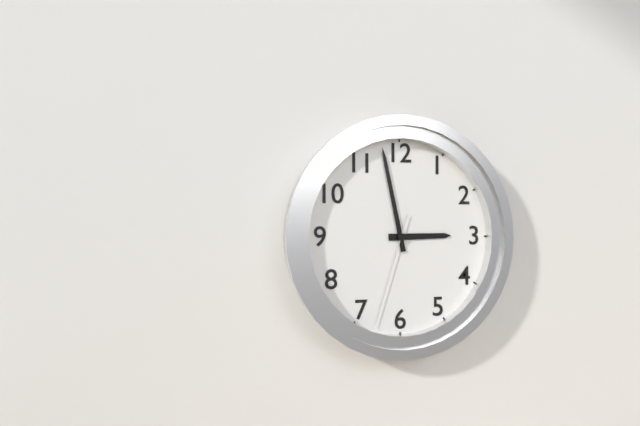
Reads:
{"hour": 2, "minute": 58, "second": 33}
